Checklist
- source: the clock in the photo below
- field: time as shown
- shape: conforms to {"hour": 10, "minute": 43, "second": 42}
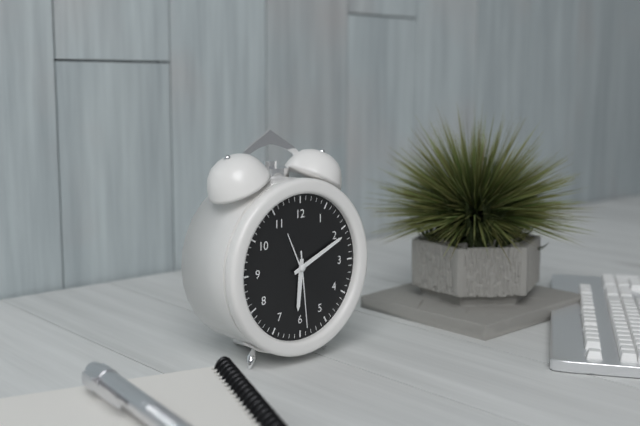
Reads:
{"hour": 6, "minute": 11, "second": 29}
